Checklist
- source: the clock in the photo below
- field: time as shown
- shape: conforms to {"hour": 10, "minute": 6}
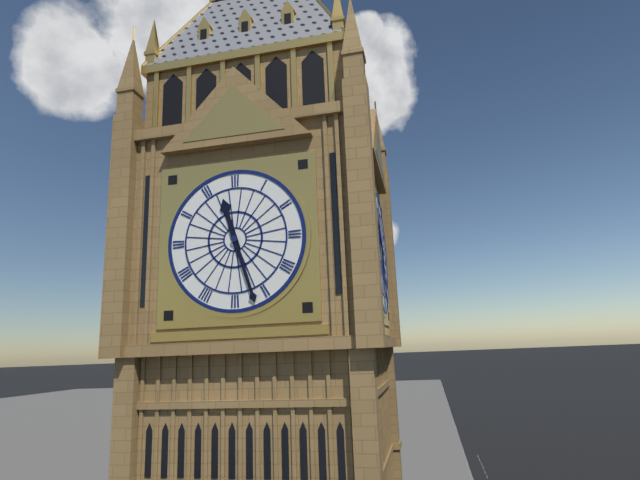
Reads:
{"hour": 11, "minute": 27}
